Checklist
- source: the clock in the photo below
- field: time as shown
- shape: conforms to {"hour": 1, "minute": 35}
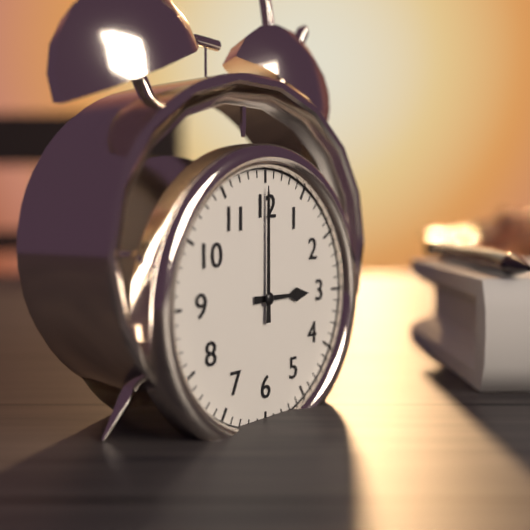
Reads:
{"hour": 3, "minute": 0}
